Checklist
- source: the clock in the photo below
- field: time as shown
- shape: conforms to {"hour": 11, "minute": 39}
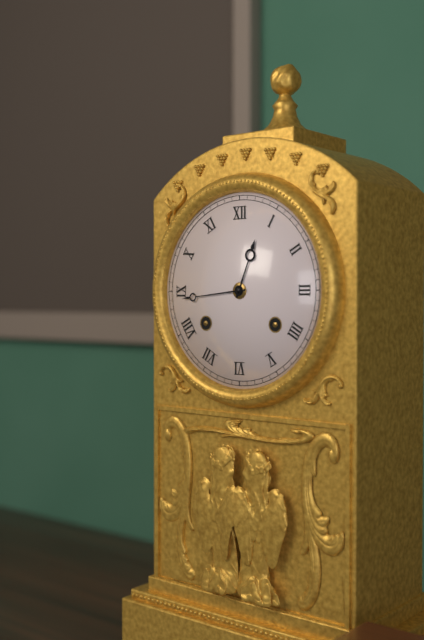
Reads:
{"hour": 12, "minute": 44}
